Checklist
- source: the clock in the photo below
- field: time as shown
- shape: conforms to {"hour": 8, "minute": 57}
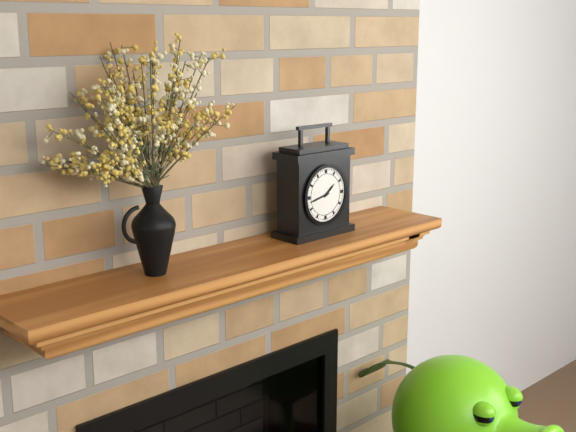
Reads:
{"hour": 1, "minute": 43}
